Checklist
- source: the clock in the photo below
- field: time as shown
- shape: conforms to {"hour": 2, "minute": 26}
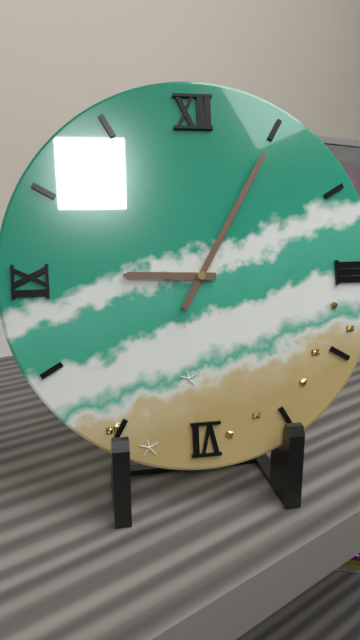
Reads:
{"hour": 9, "minute": 5}
